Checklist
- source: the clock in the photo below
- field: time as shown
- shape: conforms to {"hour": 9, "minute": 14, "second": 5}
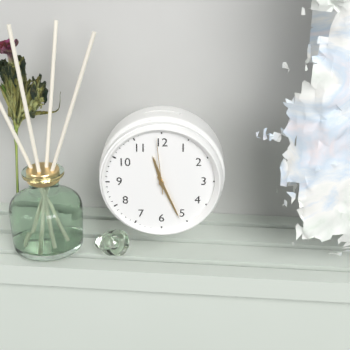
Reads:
{"hour": 11, "minute": 26, "second": 59}
